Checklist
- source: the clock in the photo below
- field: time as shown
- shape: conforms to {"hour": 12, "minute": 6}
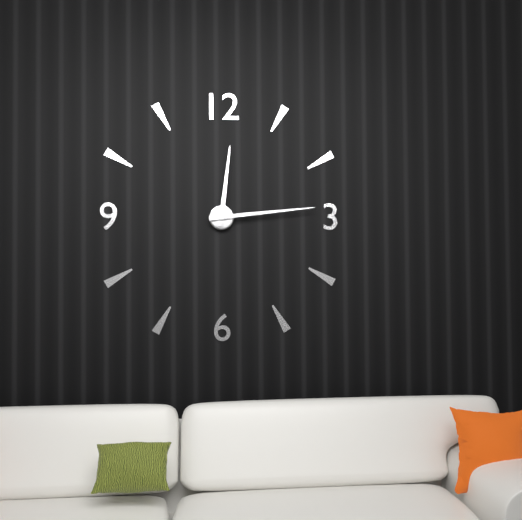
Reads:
{"hour": 12, "minute": 14}
